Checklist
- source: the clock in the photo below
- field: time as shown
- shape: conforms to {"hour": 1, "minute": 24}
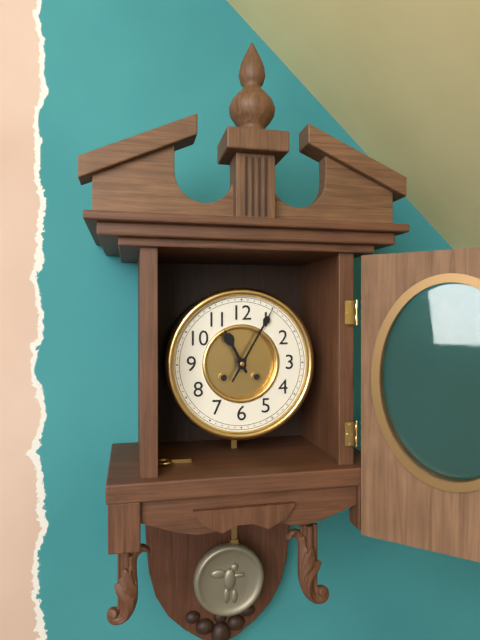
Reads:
{"hour": 11, "minute": 5}
